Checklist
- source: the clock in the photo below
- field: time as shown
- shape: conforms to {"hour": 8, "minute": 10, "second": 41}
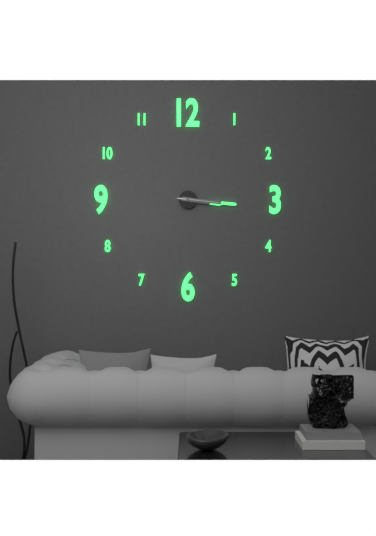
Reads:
{"hour": 3, "minute": 16, "second": 16}
